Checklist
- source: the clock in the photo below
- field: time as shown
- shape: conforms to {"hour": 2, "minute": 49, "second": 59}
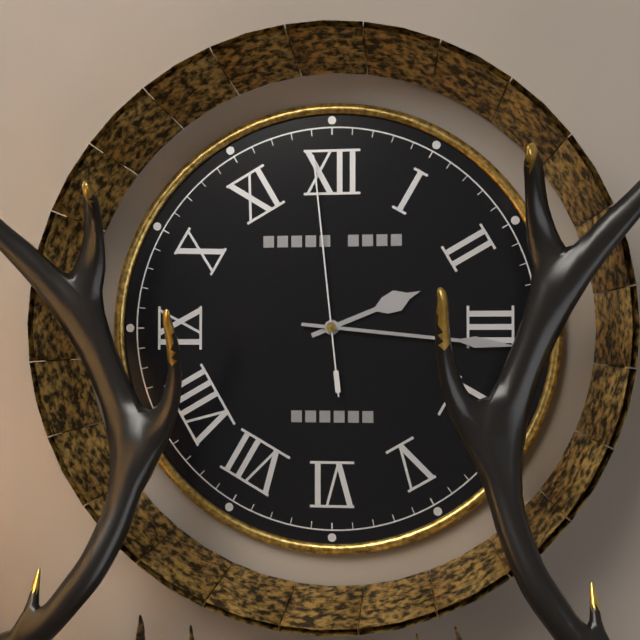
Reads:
{"hour": 2, "minute": 16, "second": 59}
